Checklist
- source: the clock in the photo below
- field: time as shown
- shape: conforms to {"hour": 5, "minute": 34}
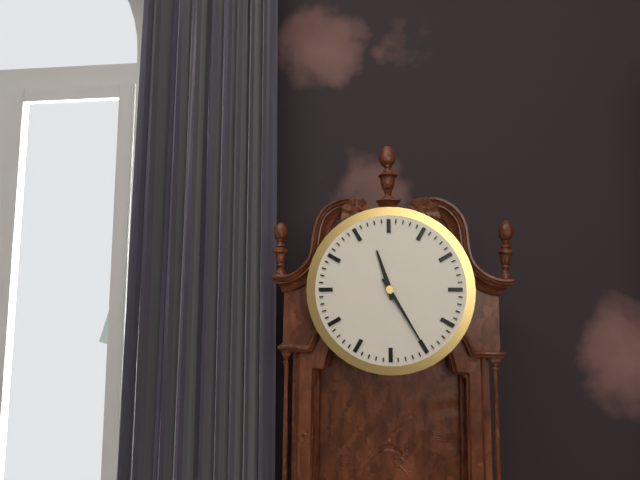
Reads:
{"hour": 11, "minute": 25}
